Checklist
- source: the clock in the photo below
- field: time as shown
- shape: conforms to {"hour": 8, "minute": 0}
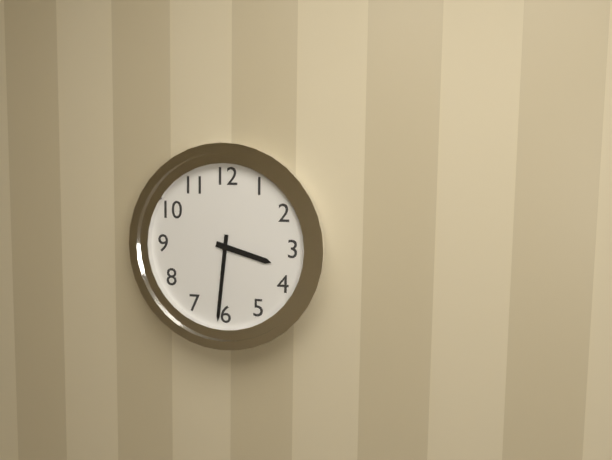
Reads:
{"hour": 3, "minute": 31}
